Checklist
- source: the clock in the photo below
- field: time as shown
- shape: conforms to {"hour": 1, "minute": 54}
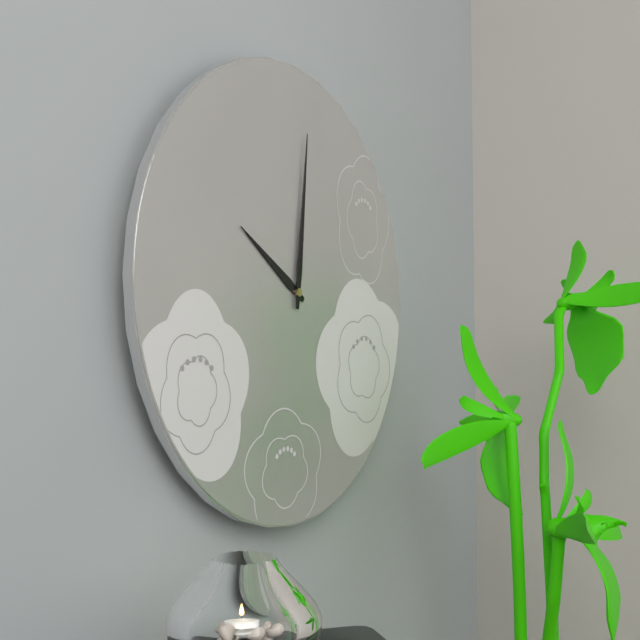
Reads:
{"hour": 10, "minute": 1}
